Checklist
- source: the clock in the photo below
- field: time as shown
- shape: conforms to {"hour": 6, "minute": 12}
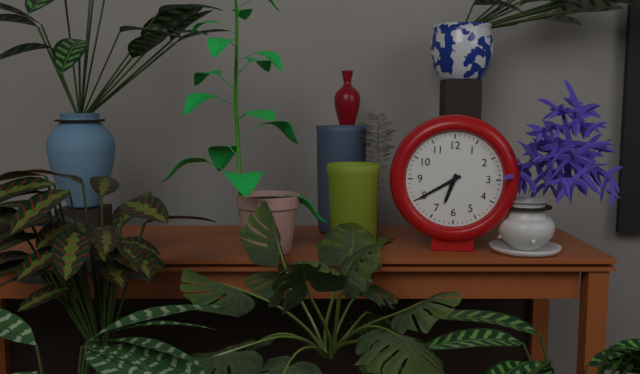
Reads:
{"hour": 6, "minute": 40}
